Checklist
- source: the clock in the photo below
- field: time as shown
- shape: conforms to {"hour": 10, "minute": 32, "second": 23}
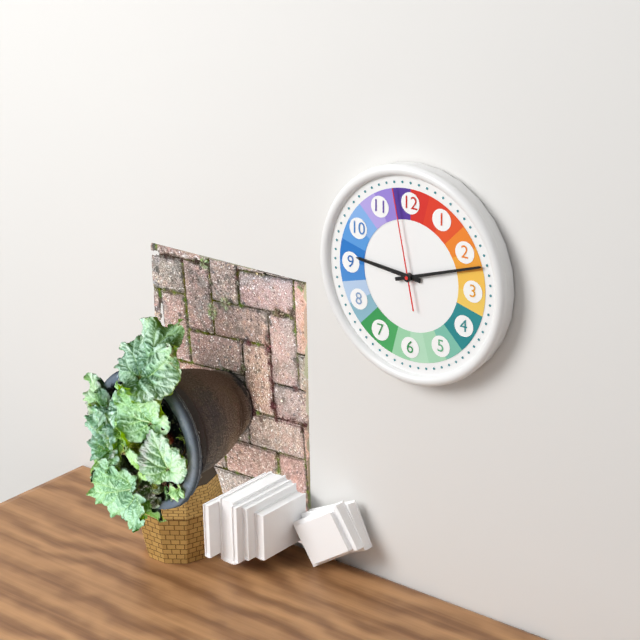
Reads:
{"hour": 9, "minute": 12, "second": 58}
